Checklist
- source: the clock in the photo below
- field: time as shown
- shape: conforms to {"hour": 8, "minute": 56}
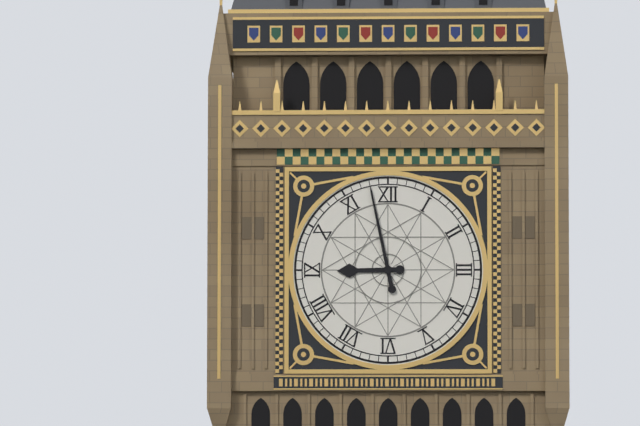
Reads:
{"hour": 8, "minute": 58}
